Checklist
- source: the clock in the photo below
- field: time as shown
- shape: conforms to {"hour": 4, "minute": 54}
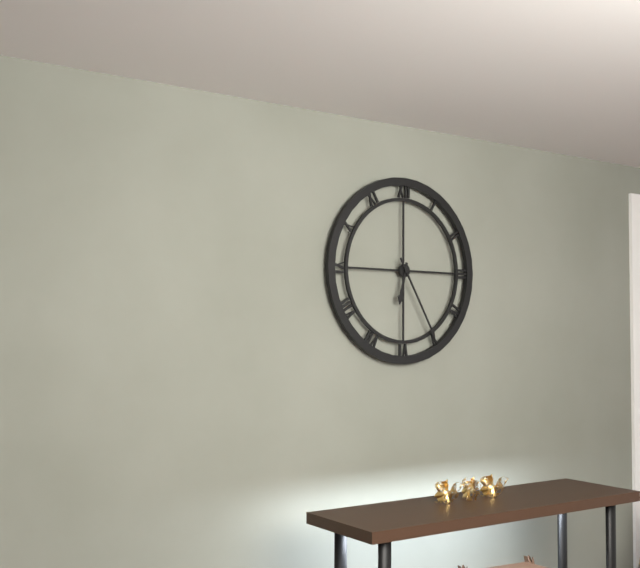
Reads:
{"hour": 6, "minute": 25}
